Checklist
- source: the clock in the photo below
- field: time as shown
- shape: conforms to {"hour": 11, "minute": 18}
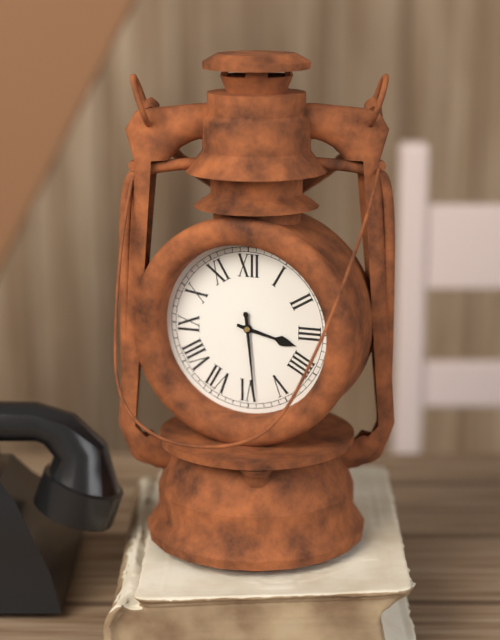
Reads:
{"hour": 3, "minute": 29}
